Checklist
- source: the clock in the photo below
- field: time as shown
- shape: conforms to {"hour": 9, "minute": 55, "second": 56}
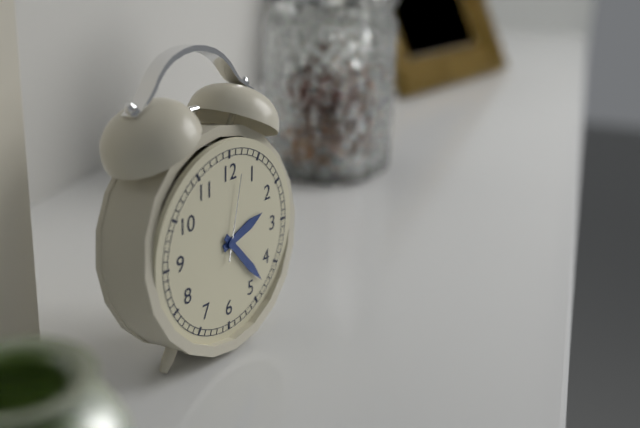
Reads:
{"hour": 2, "minute": 23, "second": 2}
